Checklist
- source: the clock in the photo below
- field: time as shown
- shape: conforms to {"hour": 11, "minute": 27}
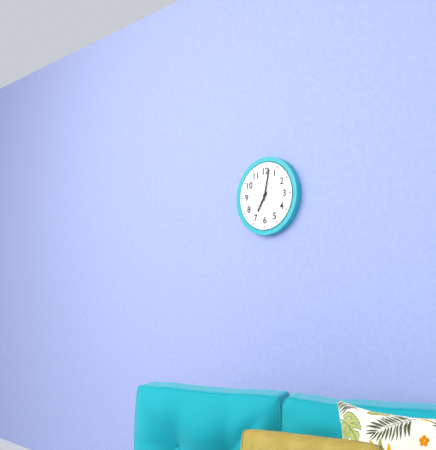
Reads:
{"hour": 7, "minute": 2}
